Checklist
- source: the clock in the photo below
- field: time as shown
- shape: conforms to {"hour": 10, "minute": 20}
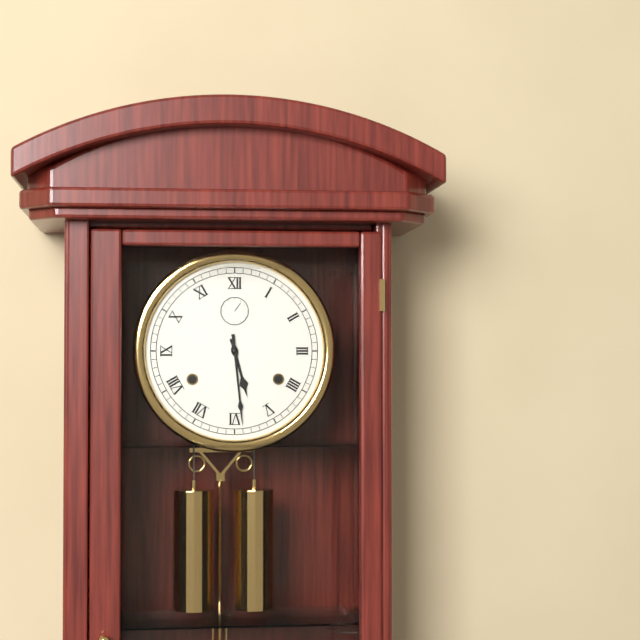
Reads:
{"hour": 5, "minute": 29}
